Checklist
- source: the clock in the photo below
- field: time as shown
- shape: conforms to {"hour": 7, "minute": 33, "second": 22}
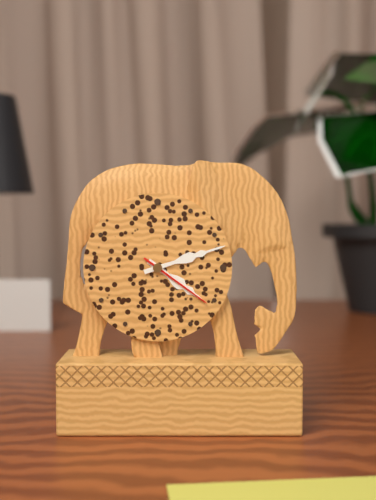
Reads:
{"hour": 4, "minute": 12, "second": 21}
